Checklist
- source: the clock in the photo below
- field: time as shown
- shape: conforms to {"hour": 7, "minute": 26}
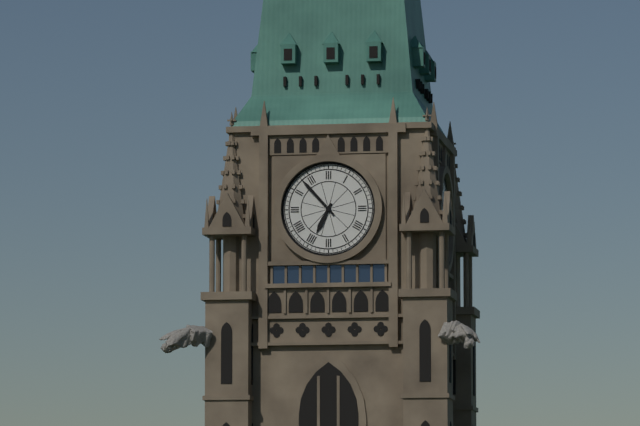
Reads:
{"hour": 6, "minute": 53}
